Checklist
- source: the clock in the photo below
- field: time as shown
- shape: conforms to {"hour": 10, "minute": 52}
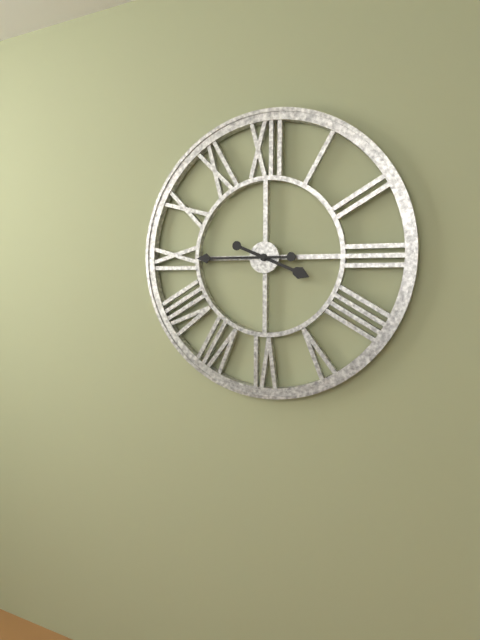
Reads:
{"hour": 3, "minute": 45}
